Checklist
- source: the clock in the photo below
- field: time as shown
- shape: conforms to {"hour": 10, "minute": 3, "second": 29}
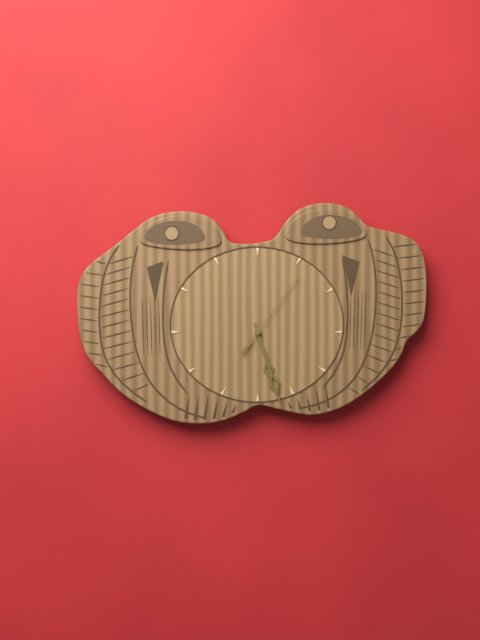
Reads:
{"hour": 5, "minute": 27, "second": 6}
